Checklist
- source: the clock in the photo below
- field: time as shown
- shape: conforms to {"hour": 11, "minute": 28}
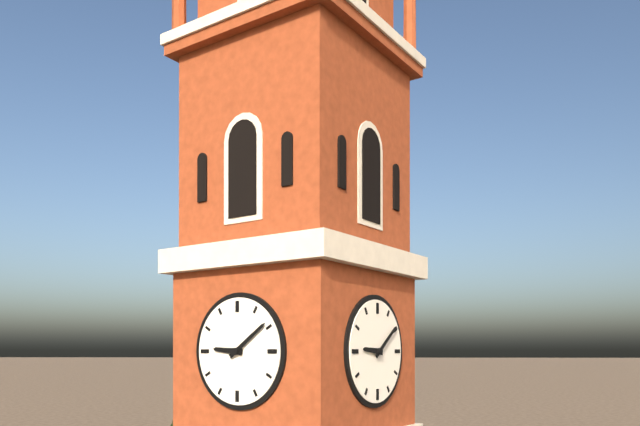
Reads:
{"hour": 9, "minute": 9}
